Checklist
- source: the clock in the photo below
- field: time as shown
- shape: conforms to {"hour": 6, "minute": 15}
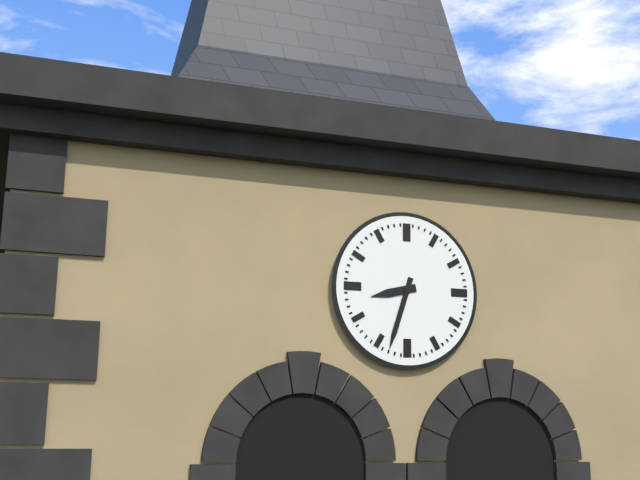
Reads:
{"hour": 8, "minute": 33}
